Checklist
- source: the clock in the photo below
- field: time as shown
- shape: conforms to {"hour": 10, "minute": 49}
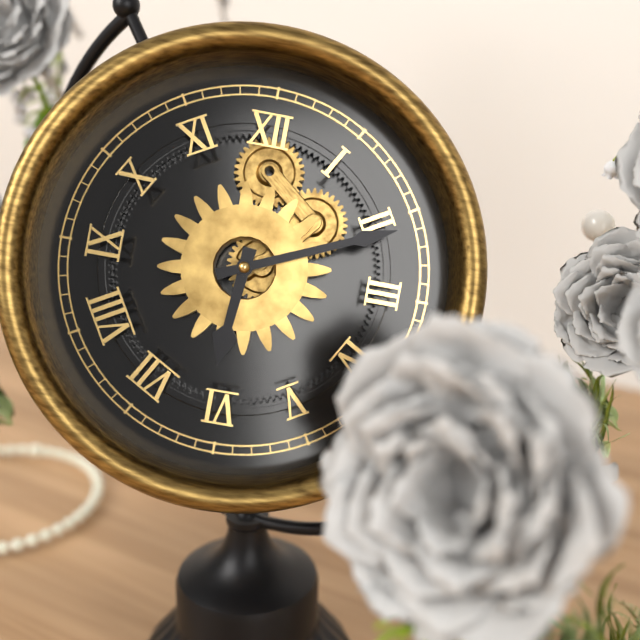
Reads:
{"hour": 6, "minute": 11}
